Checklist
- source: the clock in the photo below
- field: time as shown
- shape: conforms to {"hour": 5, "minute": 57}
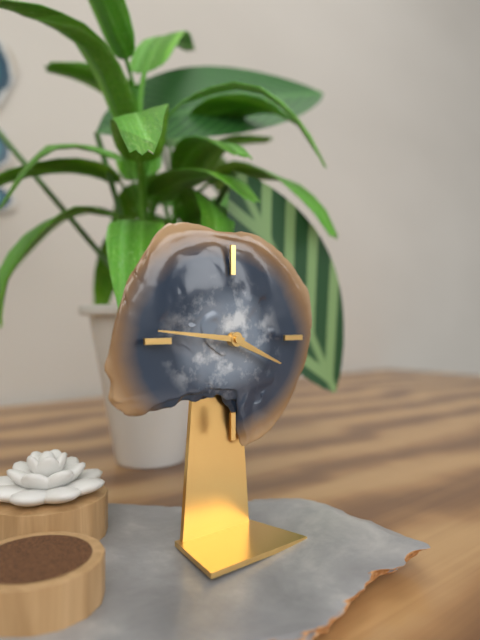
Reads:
{"hour": 3, "minute": 46}
